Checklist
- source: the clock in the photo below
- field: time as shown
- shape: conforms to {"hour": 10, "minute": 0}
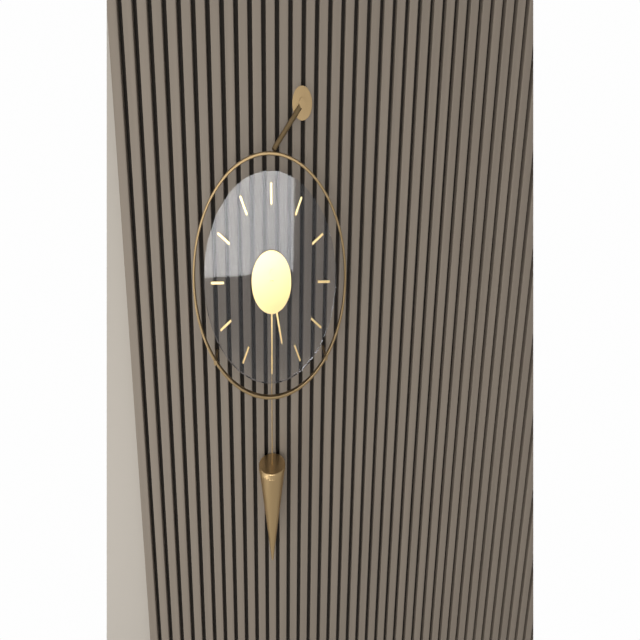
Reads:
{"hour": 5, "minute": 30}
